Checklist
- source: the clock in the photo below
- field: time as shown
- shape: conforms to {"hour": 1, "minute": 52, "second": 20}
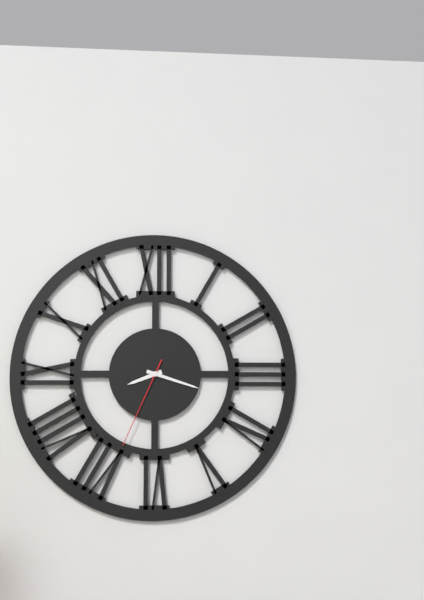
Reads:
{"hour": 8, "minute": 18, "second": 34}
